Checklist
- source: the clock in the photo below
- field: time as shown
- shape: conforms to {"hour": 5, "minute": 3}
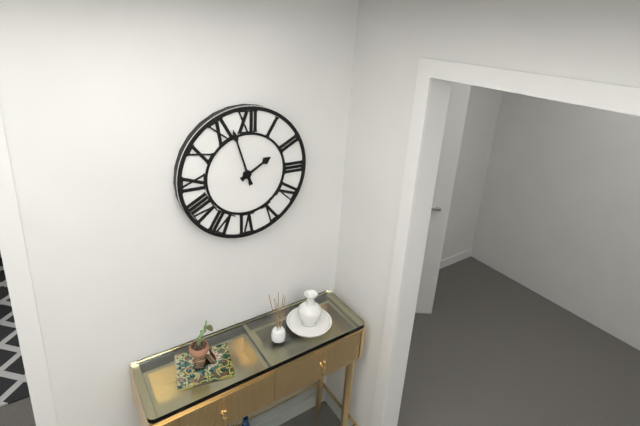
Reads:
{"hour": 1, "minute": 57}
